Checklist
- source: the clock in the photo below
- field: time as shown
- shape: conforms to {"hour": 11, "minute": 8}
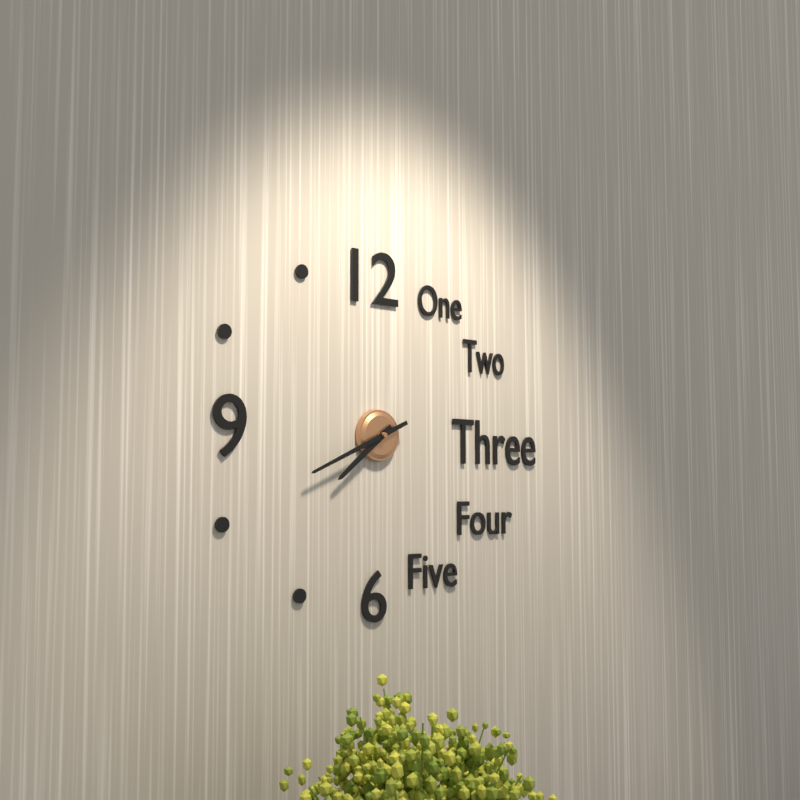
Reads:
{"hour": 7, "minute": 41}
